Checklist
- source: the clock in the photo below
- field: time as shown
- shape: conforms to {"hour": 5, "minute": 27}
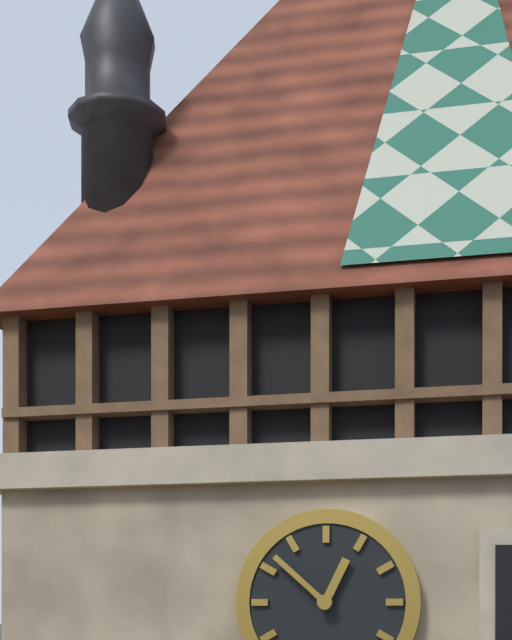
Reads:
{"hour": 12, "minute": 52}
